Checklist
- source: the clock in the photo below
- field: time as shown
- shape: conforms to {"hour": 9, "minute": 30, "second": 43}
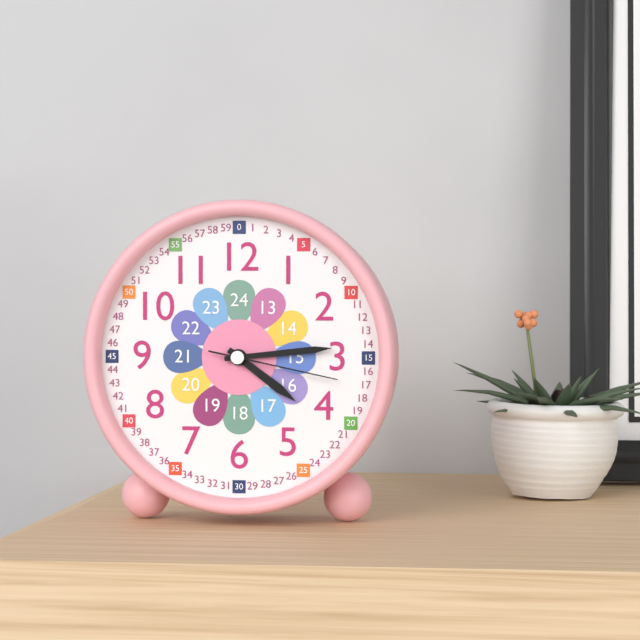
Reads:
{"hour": 4, "minute": 14, "second": 17}
